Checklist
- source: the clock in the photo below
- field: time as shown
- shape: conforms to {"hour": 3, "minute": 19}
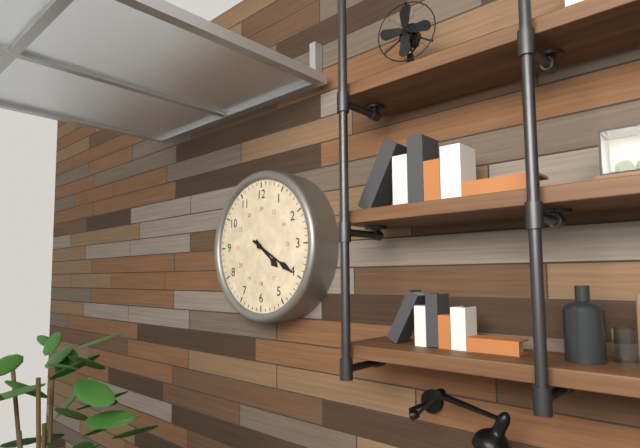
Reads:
{"hour": 4, "minute": 20}
